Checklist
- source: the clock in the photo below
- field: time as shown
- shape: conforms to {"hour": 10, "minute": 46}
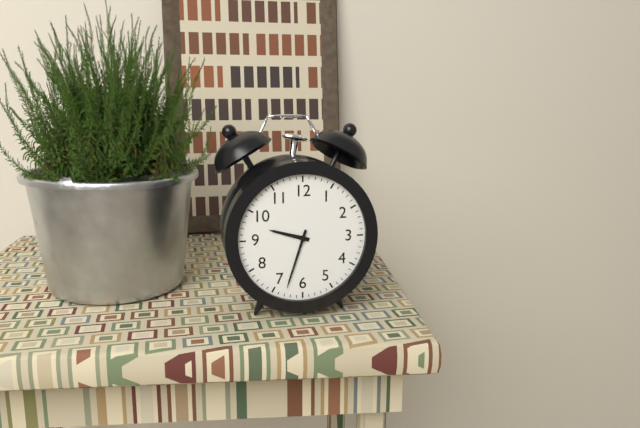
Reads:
{"hour": 9, "minute": 33}
